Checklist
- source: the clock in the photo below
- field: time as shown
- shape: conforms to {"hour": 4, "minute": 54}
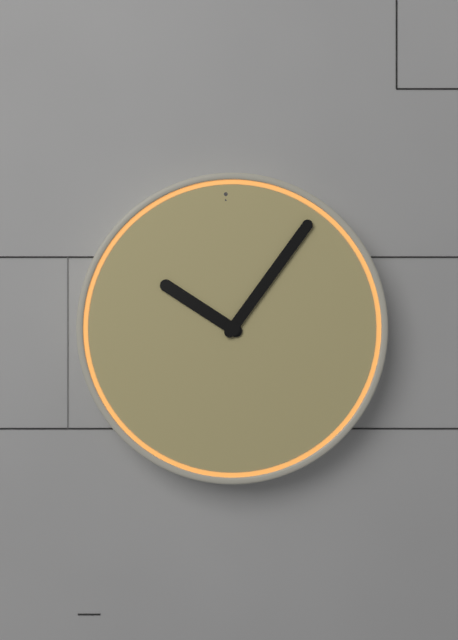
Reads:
{"hour": 10, "minute": 6}
